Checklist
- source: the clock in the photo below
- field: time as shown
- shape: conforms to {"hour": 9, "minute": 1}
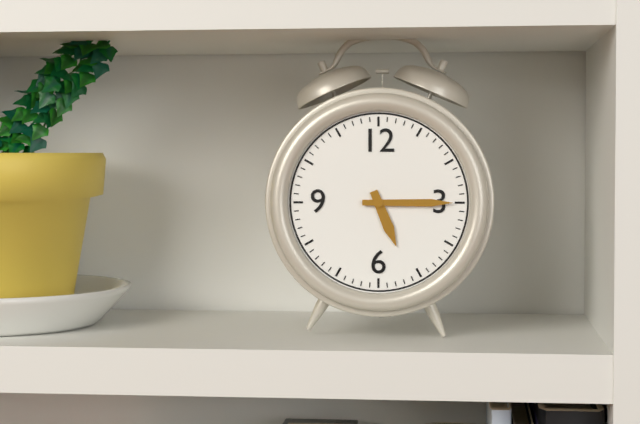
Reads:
{"hour": 5, "minute": 15}
